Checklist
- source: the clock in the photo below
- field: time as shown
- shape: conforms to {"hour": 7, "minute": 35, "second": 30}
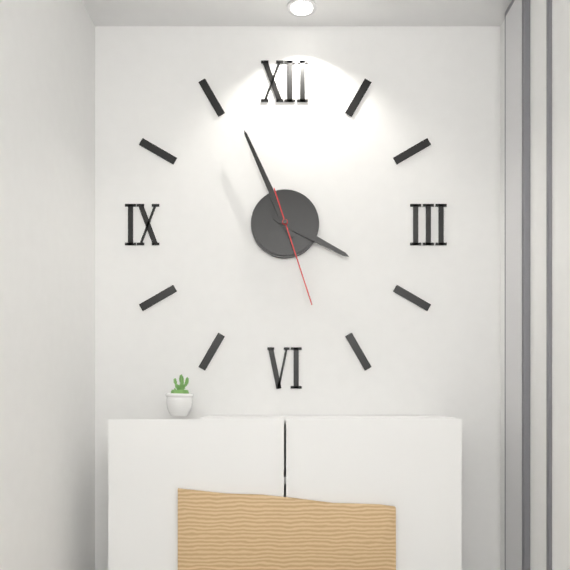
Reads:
{"hour": 3, "minute": 56, "second": 27}
